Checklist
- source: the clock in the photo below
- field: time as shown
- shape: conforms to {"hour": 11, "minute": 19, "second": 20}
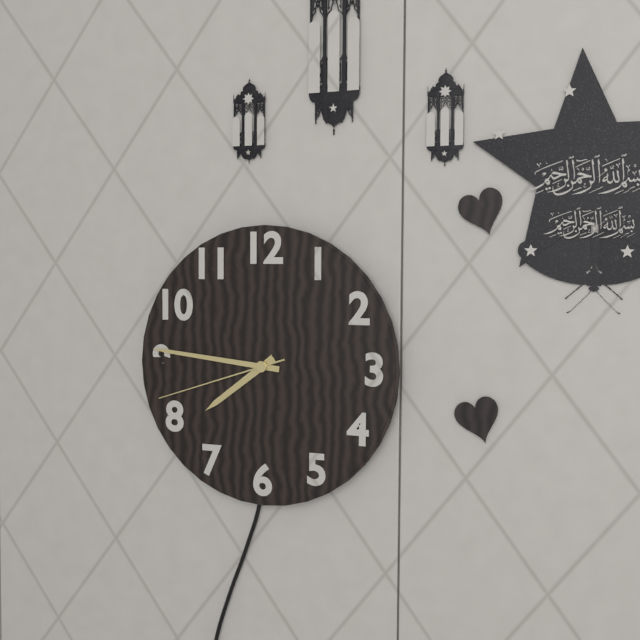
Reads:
{"hour": 7, "minute": 46, "second": 42}
